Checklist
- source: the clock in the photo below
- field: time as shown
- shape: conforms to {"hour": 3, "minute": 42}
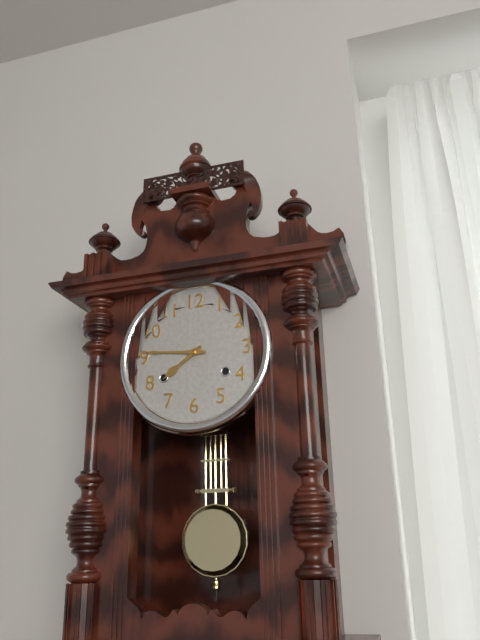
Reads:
{"hour": 7, "minute": 46}
